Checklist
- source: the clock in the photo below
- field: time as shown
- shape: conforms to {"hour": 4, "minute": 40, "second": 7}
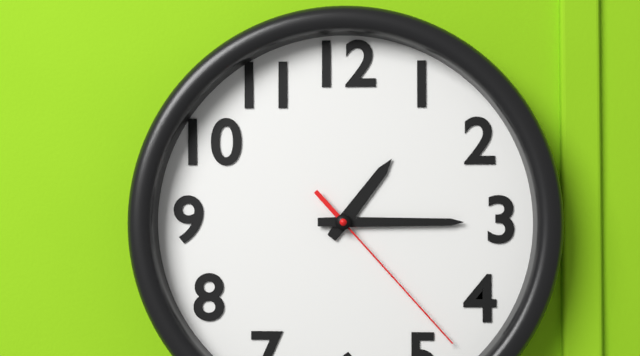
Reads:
{"hour": 1, "minute": 15, "second": 23}
